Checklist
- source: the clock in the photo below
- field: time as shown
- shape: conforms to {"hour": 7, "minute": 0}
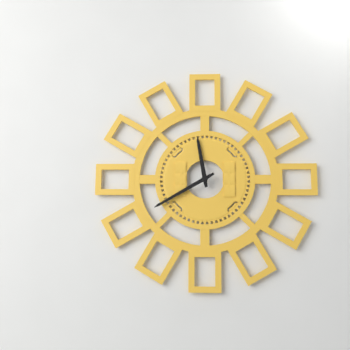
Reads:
{"hour": 11, "minute": 40}
